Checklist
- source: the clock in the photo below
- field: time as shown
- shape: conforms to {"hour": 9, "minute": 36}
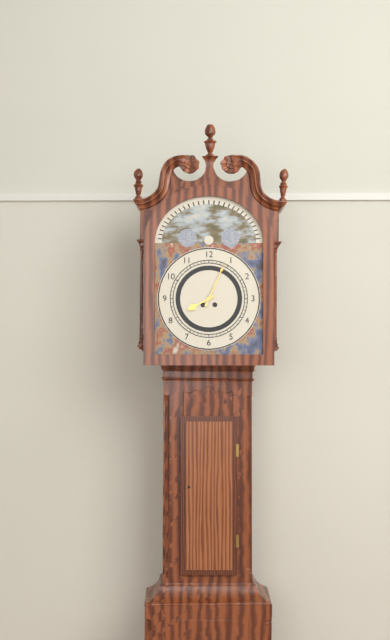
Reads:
{"hour": 8, "minute": 4}
